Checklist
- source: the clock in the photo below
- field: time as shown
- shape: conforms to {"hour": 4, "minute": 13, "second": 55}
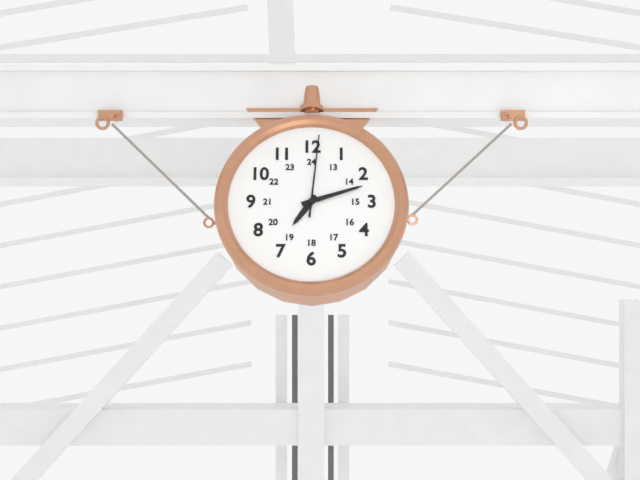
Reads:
{"hour": 7, "minute": 12, "second": 1}
